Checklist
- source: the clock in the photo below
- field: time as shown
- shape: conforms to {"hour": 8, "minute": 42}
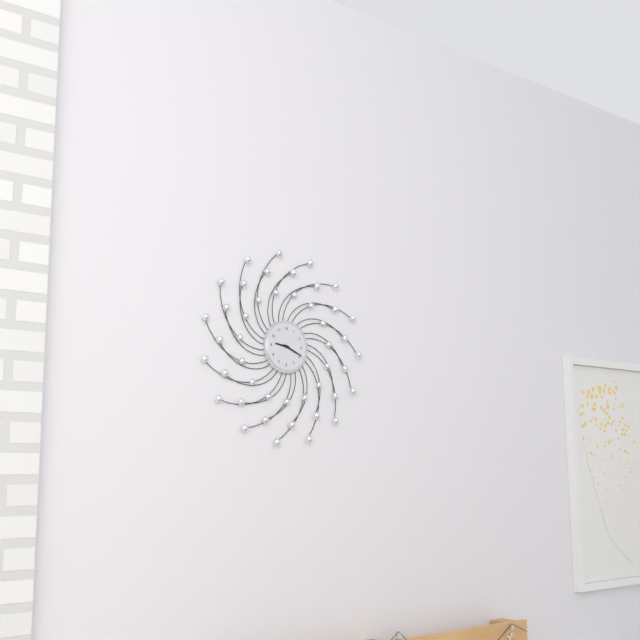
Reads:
{"hour": 9, "minute": 19}
